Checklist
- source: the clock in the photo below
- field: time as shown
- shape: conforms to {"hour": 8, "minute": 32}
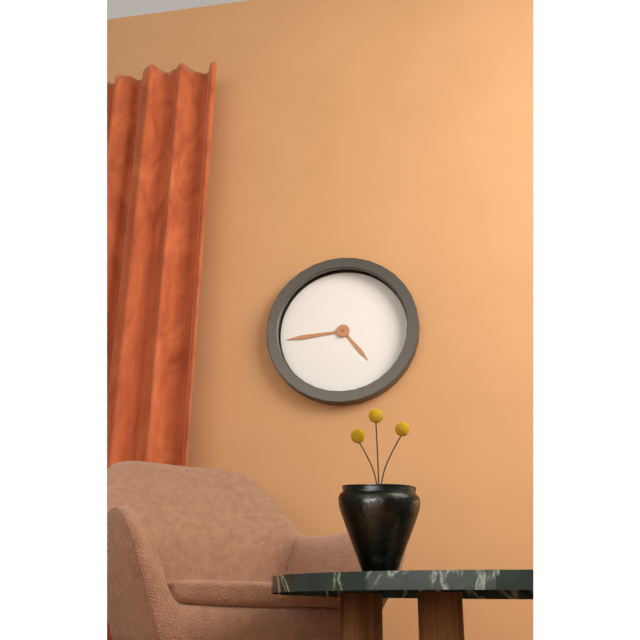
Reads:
{"hour": 4, "minute": 44}
